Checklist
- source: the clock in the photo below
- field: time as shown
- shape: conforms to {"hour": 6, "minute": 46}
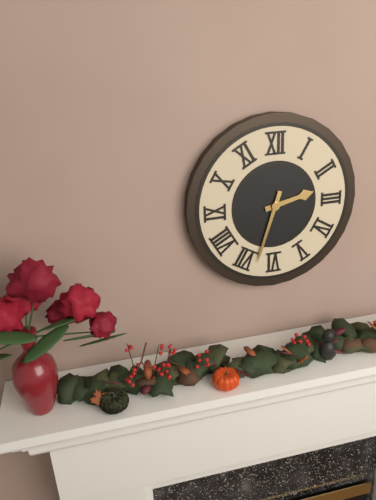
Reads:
{"hour": 2, "minute": 33}
